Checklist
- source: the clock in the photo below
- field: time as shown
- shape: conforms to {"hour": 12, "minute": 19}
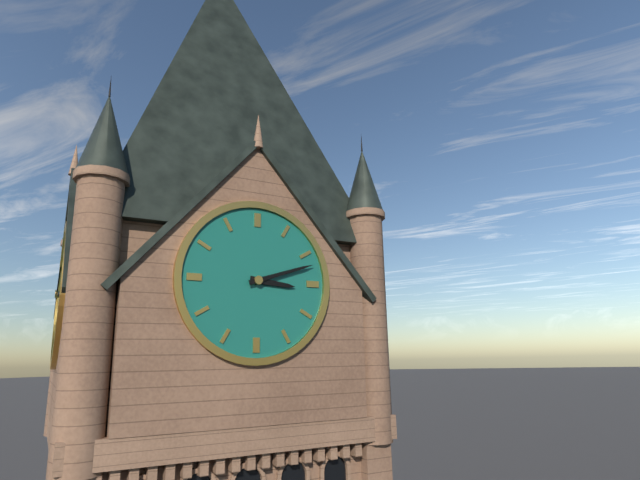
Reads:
{"hour": 3, "minute": 12}
